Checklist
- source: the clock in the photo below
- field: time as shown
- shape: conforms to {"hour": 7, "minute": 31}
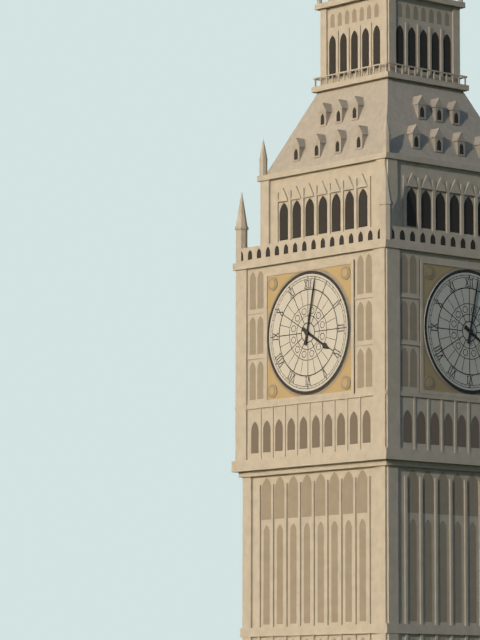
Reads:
{"hour": 4, "minute": 2}
